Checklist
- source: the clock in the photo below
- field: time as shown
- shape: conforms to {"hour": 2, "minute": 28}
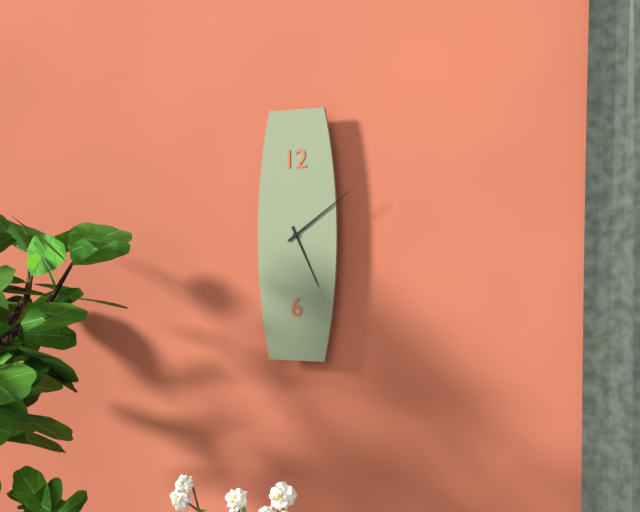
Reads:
{"hour": 5, "minute": 9}
